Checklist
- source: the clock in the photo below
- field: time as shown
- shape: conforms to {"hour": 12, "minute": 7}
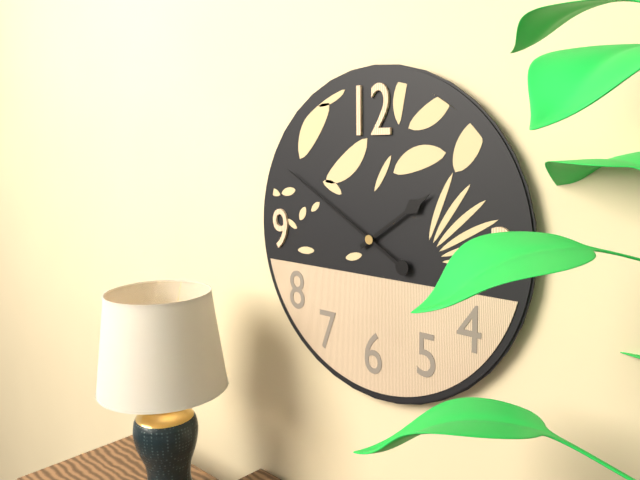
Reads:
{"hour": 1, "minute": 50}
